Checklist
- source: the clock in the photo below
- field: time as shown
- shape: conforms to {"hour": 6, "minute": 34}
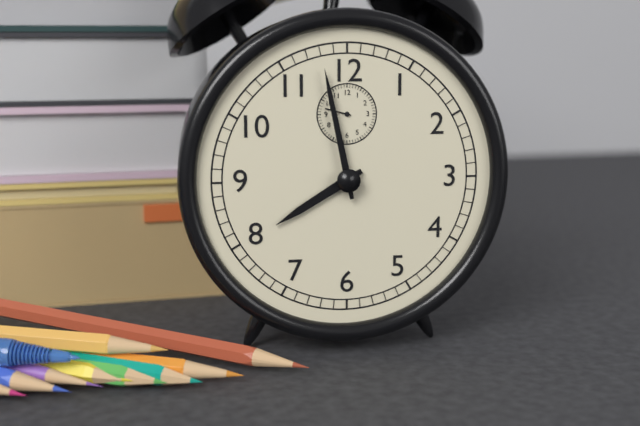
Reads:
{"hour": 7, "minute": 58}
